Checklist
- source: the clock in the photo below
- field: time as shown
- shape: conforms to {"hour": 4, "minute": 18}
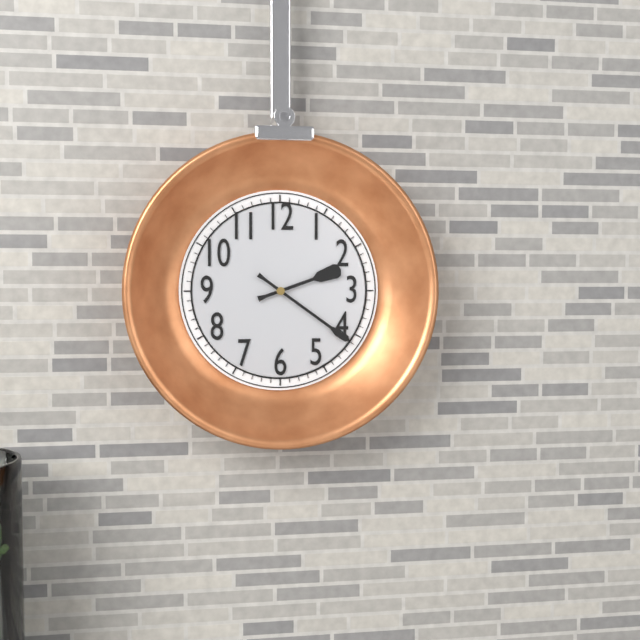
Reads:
{"hour": 2, "minute": 21}
